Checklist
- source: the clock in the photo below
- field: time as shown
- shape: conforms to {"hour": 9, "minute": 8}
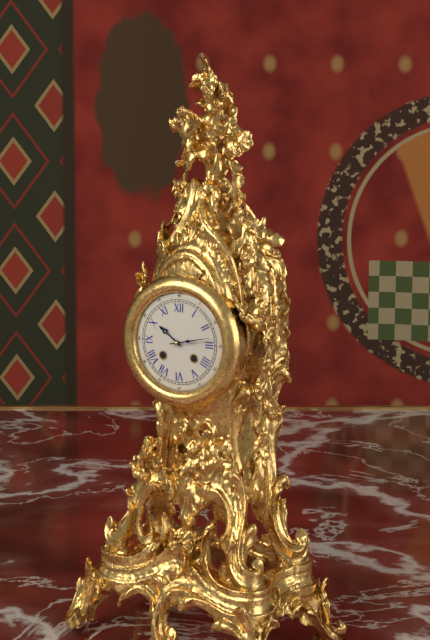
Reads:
{"hour": 10, "minute": 13}
